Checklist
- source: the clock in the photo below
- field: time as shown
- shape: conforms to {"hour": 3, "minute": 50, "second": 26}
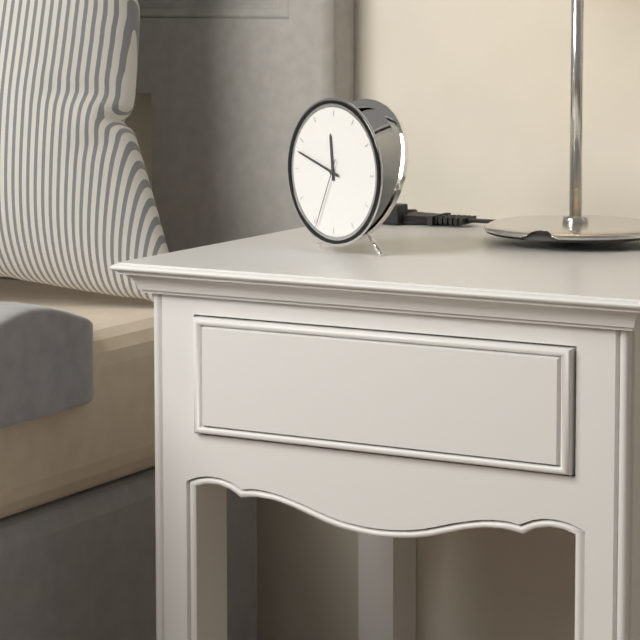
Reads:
{"hour": 11, "minute": 48, "second": 34}
